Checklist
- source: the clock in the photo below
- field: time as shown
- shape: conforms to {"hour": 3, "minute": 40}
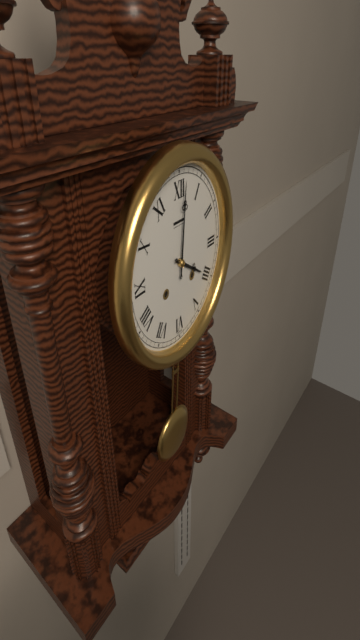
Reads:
{"hour": 4, "minute": 1}
